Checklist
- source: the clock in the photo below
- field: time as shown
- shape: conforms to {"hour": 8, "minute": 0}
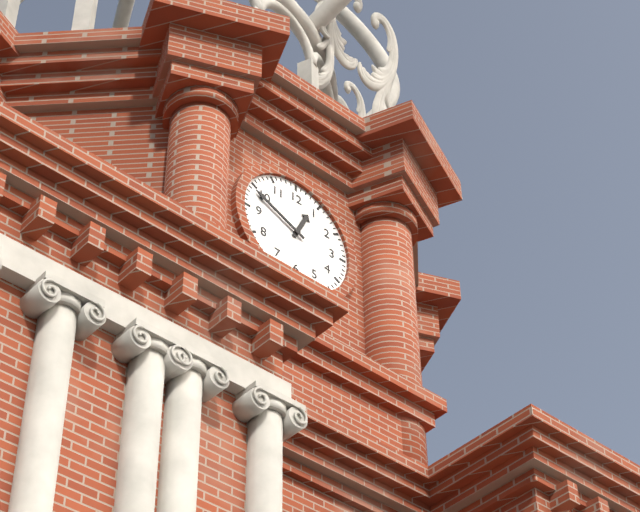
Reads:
{"hour": 12, "minute": 49}
